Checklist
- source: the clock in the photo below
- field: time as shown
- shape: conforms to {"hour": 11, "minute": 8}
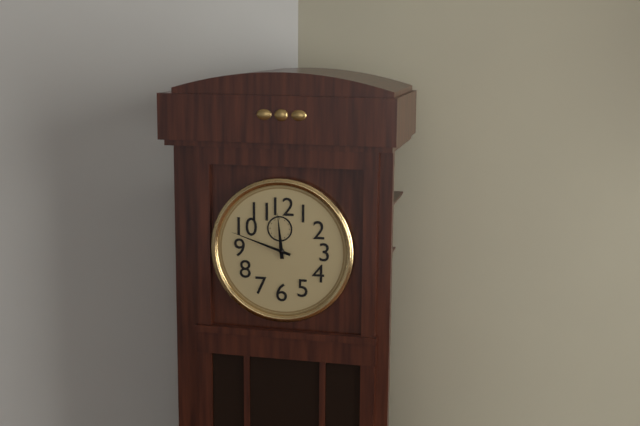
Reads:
{"hour": 11, "minute": 48}
